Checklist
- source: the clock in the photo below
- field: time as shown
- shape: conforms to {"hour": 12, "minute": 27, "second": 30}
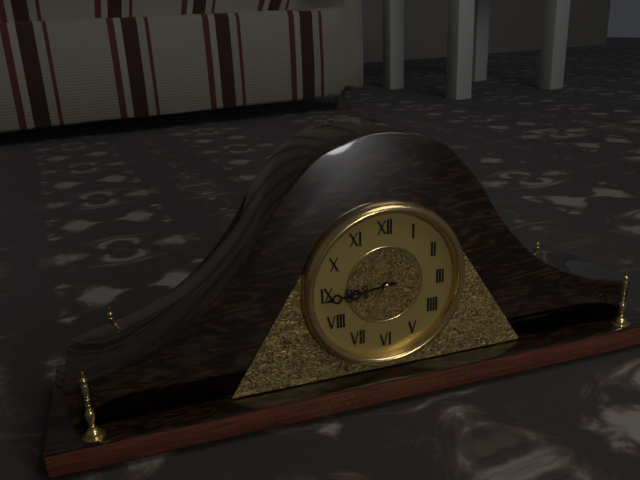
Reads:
{"hour": 8, "minute": 44, "second": 35}
